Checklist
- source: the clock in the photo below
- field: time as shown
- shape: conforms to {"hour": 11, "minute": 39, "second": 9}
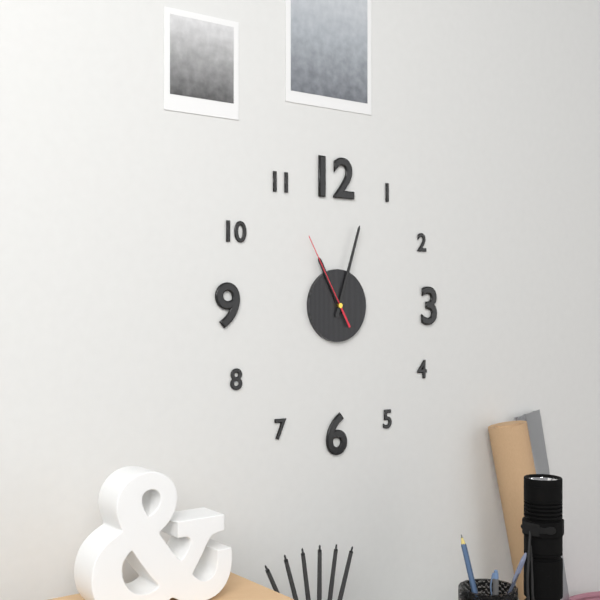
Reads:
{"hour": 11, "minute": 3, "second": 55}
